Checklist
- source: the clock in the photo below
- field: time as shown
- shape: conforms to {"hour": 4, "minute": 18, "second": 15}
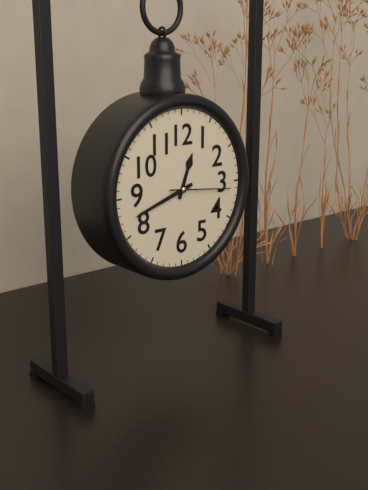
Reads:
{"hour": 12, "minute": 42, "second": 16}
